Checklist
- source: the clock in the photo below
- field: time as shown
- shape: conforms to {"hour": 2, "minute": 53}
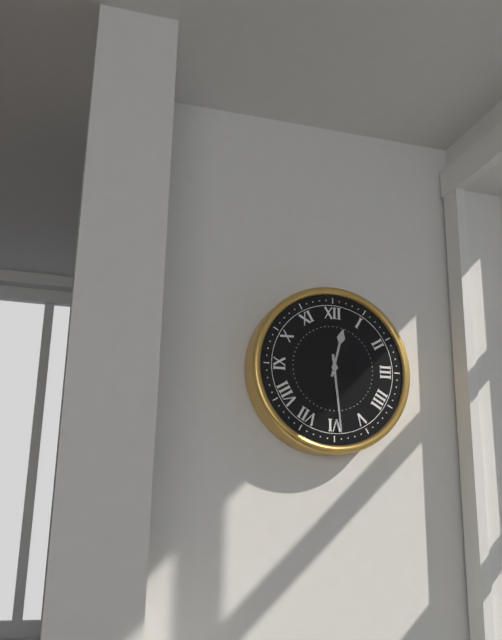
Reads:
{"hour": 12, "minute": 29}
